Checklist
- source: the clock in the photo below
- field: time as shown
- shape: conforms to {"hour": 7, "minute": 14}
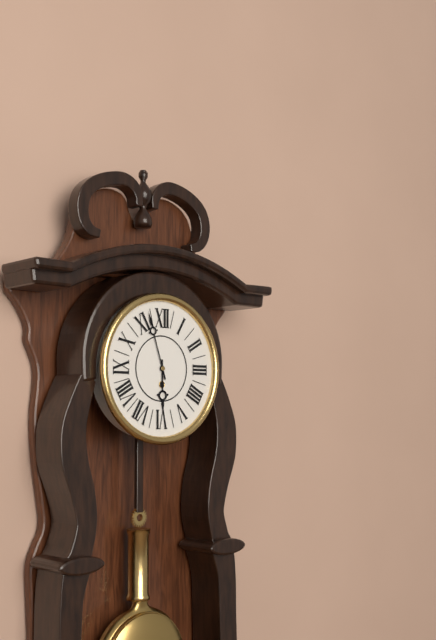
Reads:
{"hour": 5, "minute": 57}
